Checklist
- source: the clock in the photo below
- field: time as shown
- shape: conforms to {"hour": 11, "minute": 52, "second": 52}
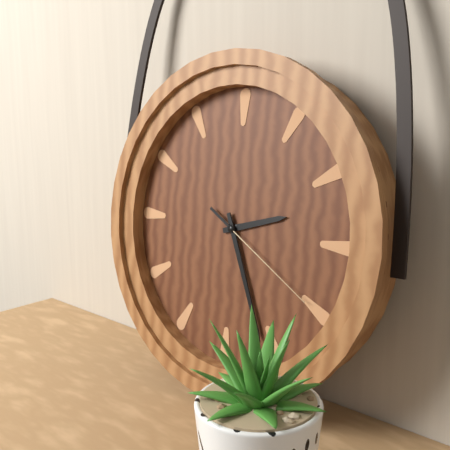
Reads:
{"hour": 2, "minute": 26, "second": 20}
